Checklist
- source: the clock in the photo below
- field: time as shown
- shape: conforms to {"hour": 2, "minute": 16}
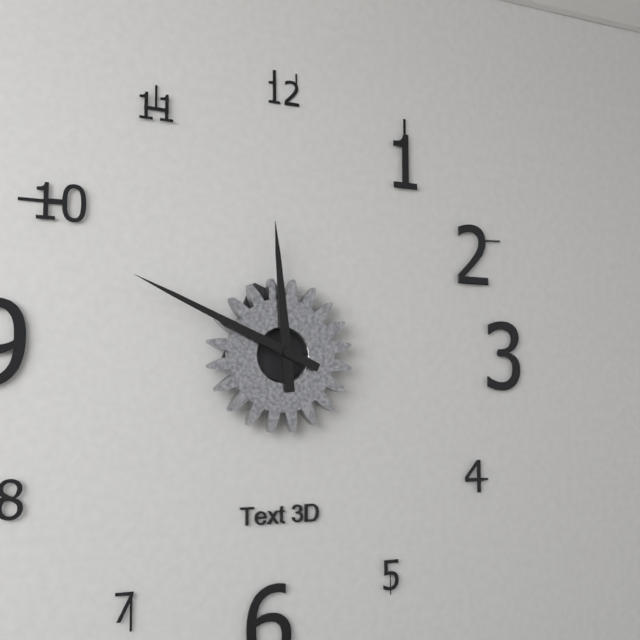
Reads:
{"hour": 11, "minute": 49}
